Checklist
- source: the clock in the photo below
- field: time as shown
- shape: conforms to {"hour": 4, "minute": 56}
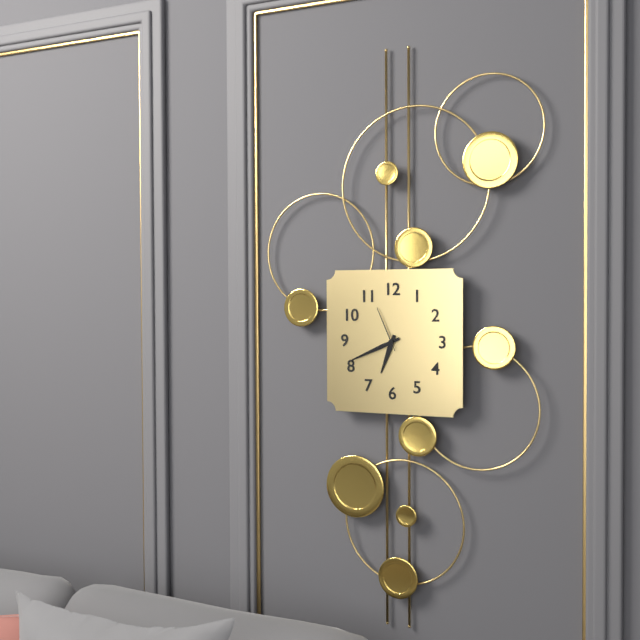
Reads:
{"hour": 6, "minute": 41}
